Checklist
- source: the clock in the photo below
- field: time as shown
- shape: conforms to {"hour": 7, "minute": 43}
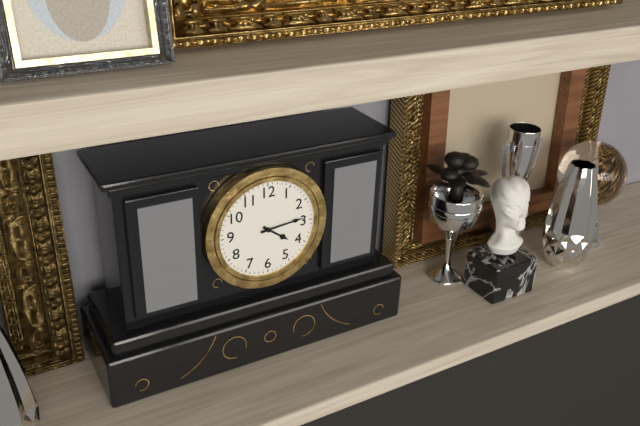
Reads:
{"hour": 4, "minute": 14}
